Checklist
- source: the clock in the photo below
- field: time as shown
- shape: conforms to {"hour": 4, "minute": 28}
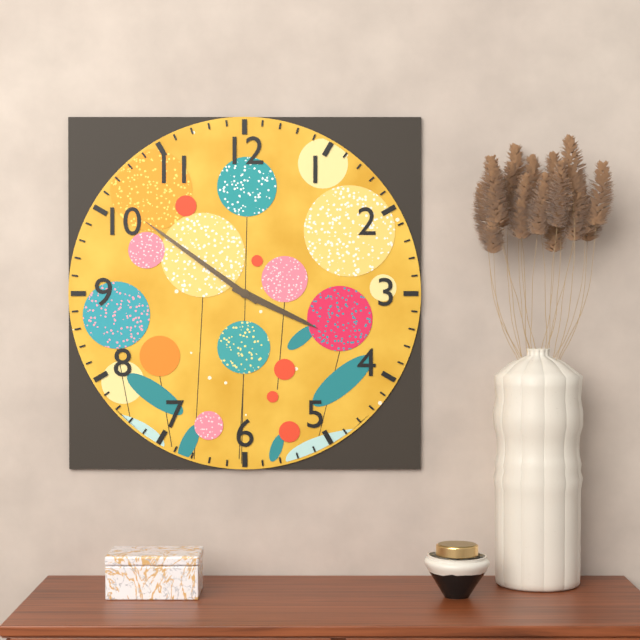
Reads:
{"hour": 3, "minute": 51}
